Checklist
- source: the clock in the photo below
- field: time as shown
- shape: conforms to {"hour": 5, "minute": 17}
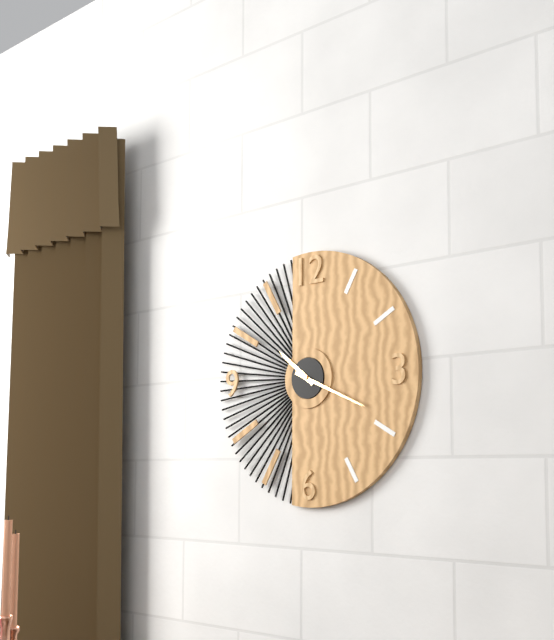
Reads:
{"hour": 10, "minute": 19}
